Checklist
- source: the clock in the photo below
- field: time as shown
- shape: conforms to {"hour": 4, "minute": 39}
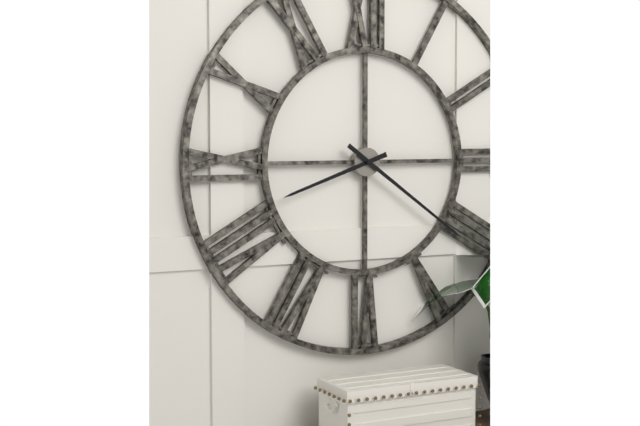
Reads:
{"hour": 8, "minute": 21}
